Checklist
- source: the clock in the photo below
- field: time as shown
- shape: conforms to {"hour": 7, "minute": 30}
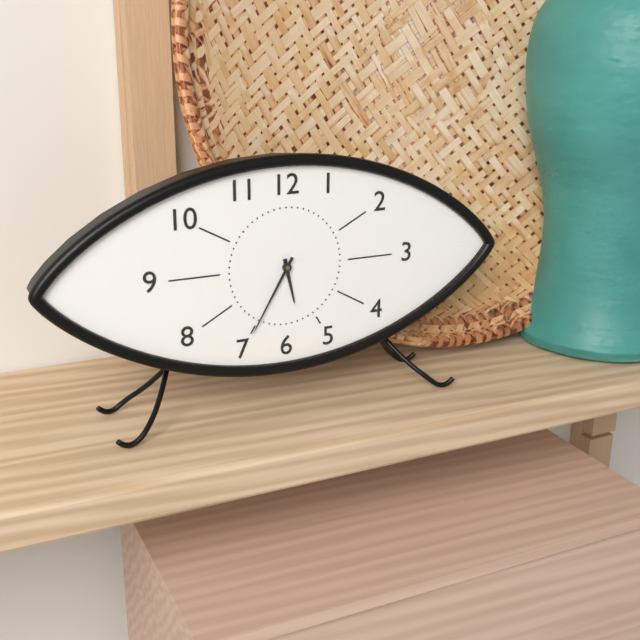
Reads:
{"hour": 5, "minute": 35}
